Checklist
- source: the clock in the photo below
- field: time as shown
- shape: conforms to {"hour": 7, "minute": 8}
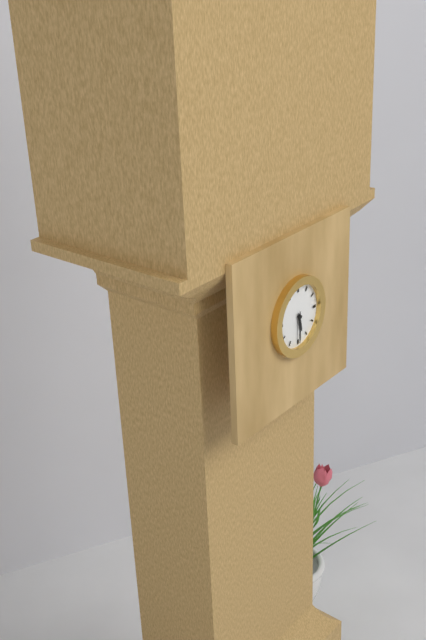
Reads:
{"hour": 5, "minute": 30}
